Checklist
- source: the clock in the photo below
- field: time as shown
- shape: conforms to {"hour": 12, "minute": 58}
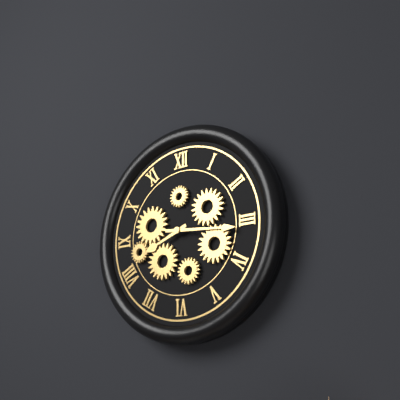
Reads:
{"hour": 8, "minute": 16}
